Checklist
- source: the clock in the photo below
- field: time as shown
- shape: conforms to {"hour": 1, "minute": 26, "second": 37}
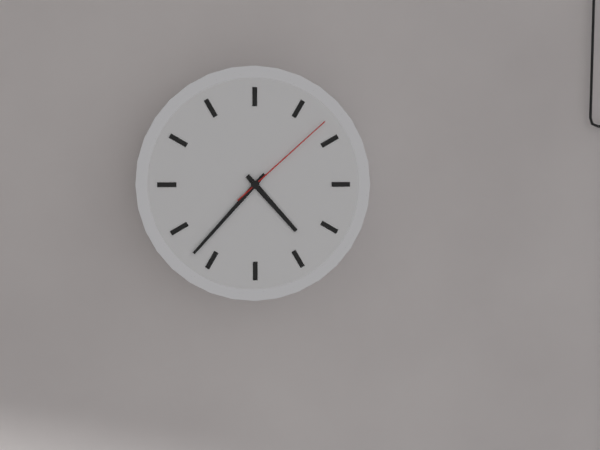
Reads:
{"hour": 4, "minute": 37, "second": 8}
